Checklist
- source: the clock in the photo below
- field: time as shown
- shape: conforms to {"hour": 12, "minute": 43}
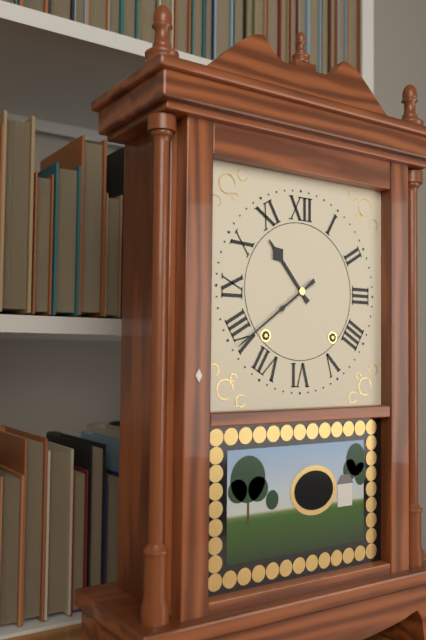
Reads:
{"hour": 10, "minute": 39}
